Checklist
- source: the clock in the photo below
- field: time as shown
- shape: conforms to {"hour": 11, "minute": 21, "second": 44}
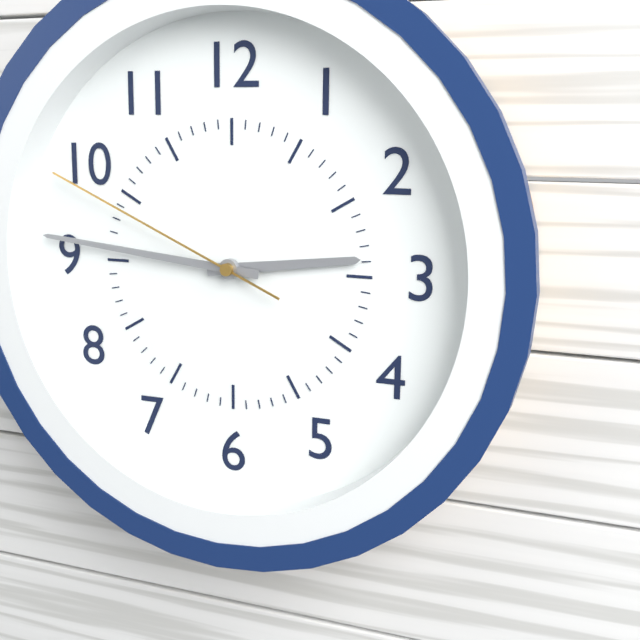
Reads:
{"hour": 2, "minute": 46, "second": 49}
